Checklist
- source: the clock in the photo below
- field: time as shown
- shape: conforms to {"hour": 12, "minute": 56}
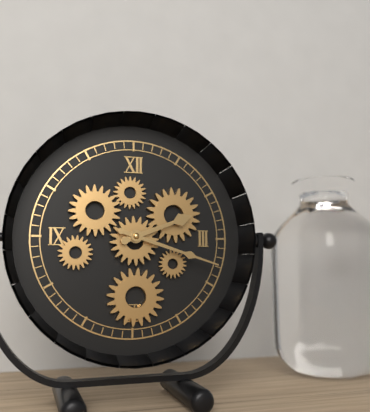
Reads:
{"hour": 2, "minute": 18}
